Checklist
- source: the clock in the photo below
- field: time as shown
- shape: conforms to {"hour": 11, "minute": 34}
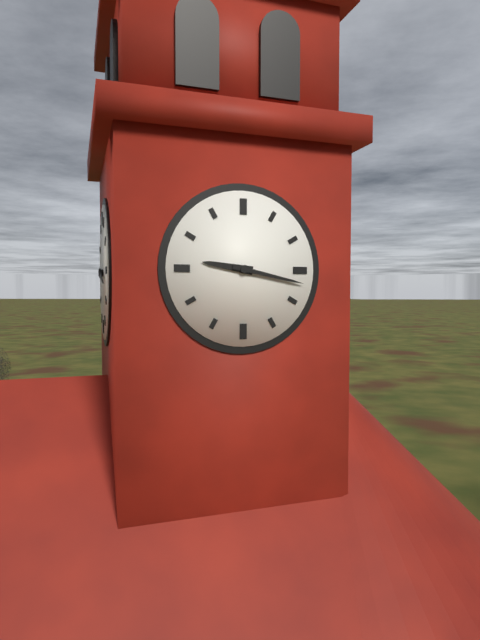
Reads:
{"hour": 9, "minute": 17}
